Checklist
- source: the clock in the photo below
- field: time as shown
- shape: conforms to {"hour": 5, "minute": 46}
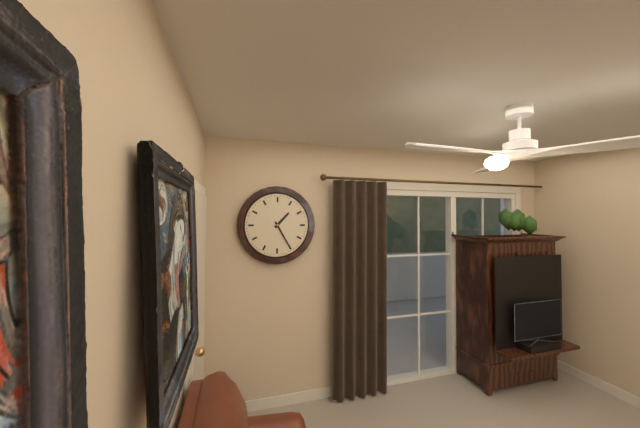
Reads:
{"hour": 1, "minute": 25}
